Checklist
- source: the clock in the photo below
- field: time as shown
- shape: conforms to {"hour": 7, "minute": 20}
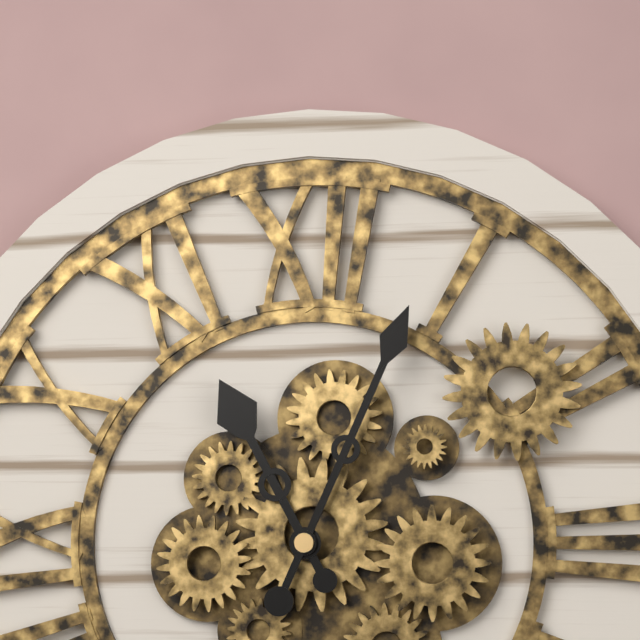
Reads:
{"hour": 11, "minute": 4}
